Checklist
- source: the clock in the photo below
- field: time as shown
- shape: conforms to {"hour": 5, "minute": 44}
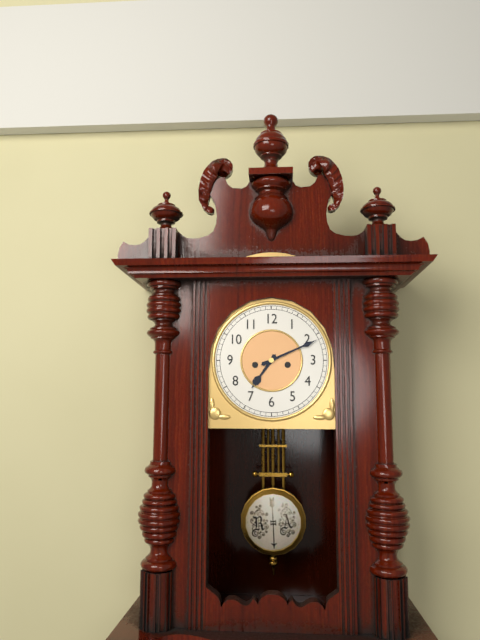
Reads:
{"hour": 7, "minute": 11}
